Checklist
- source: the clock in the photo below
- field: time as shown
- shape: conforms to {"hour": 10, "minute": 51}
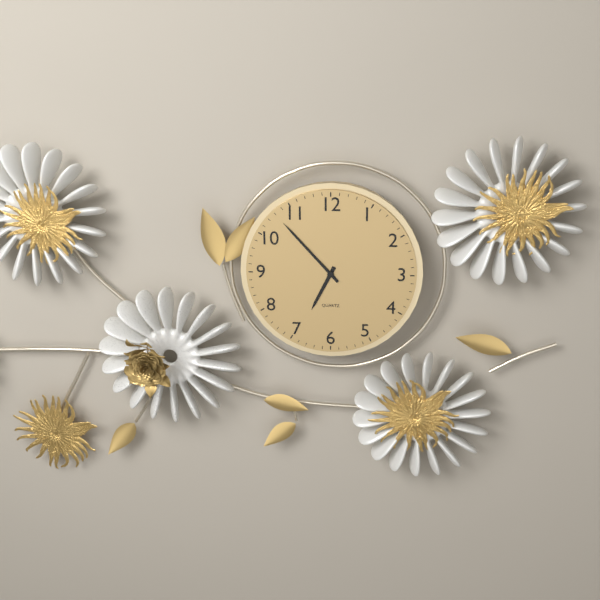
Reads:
{"hour": 6, "minute": 53}
